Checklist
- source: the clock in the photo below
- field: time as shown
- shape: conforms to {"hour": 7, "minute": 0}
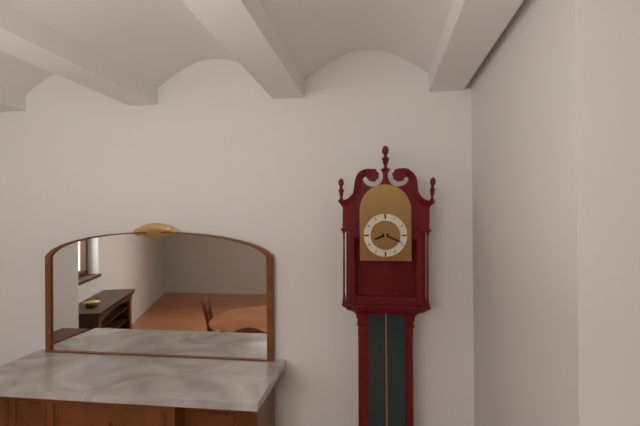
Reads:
{"hour": 8, "minute": 19}
